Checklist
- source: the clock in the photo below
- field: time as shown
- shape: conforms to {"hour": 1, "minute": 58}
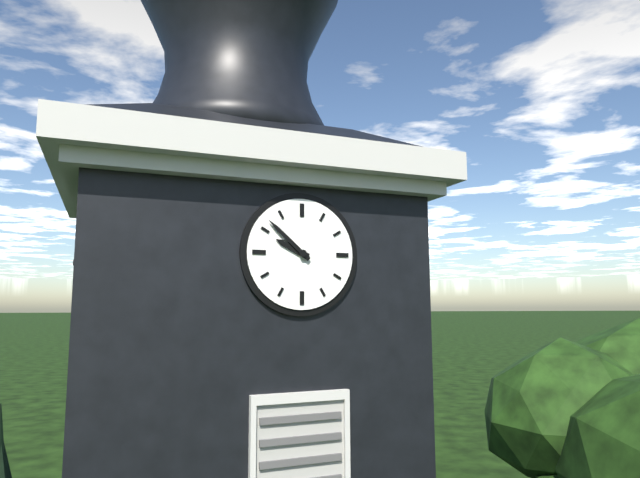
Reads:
{"hour": 9, "minute": 52}
